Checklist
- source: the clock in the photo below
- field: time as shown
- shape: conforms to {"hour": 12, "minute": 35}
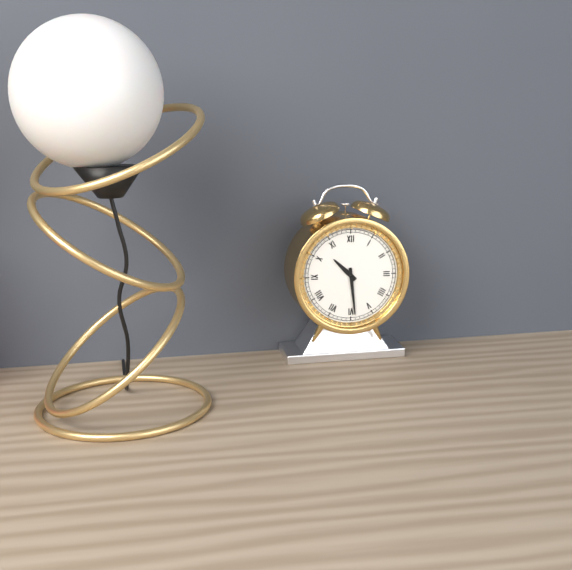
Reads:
{"hour": 10, "minute": 29}
